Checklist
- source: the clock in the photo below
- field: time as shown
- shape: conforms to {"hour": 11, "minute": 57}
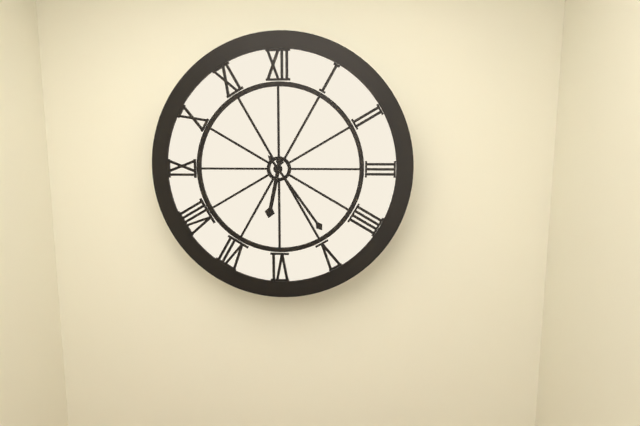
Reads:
{"hour": 6, "minute": 24}
